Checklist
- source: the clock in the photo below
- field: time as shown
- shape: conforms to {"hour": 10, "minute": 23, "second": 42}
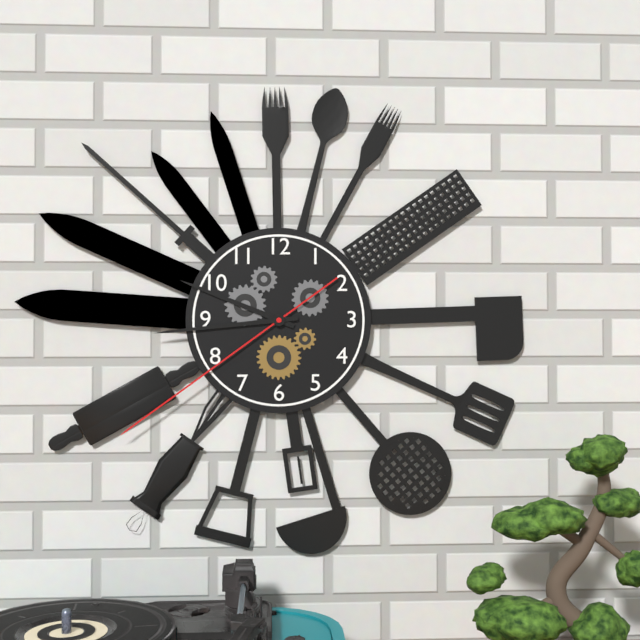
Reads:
{"hour": 9, "minute": 44, "second": 39}
